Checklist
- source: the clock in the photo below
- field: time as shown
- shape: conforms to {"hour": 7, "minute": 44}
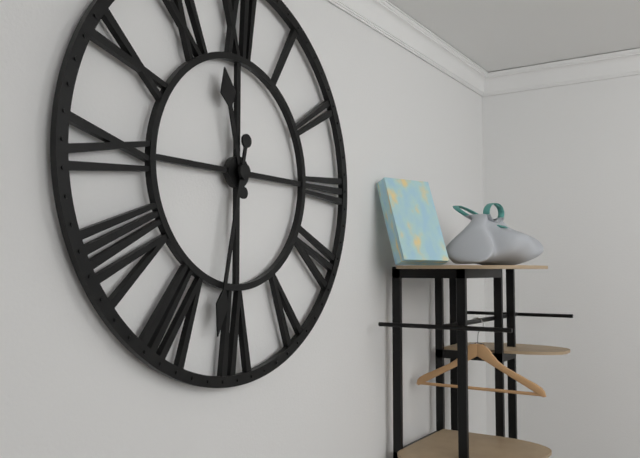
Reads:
{"hour": 11, "minute": 32}
